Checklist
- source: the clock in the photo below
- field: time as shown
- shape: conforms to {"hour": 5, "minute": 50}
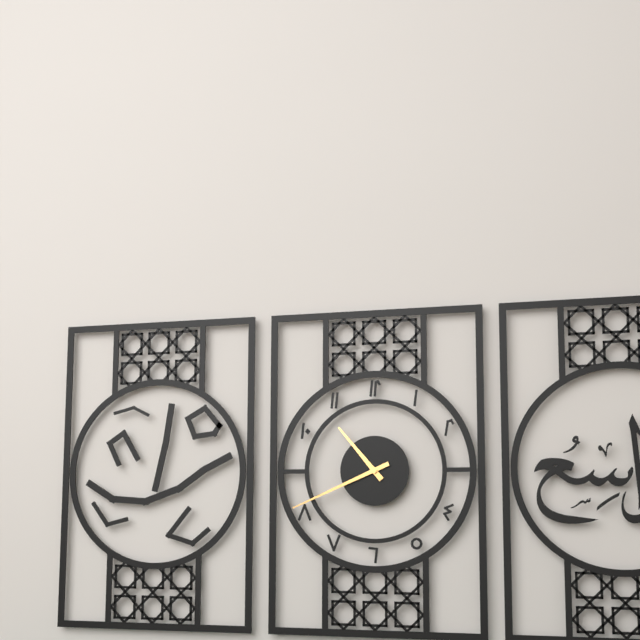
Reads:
{"hour": 10, "minute": 41}
